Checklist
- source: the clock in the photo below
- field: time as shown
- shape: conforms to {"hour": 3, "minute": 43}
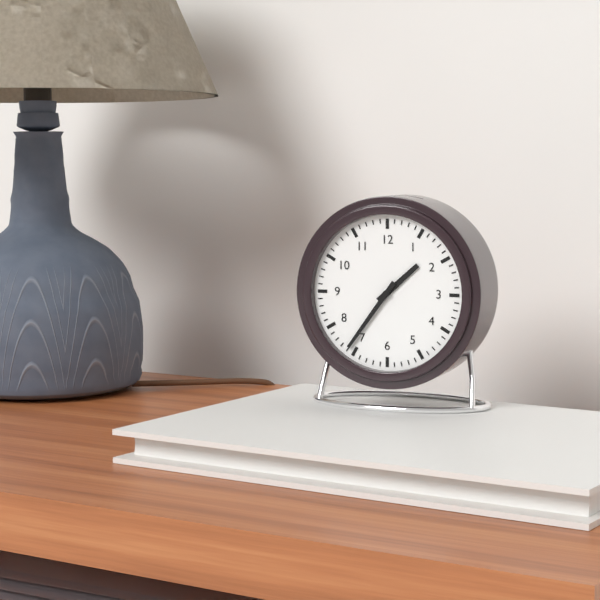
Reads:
{"hour": 1, "minute": 36}
